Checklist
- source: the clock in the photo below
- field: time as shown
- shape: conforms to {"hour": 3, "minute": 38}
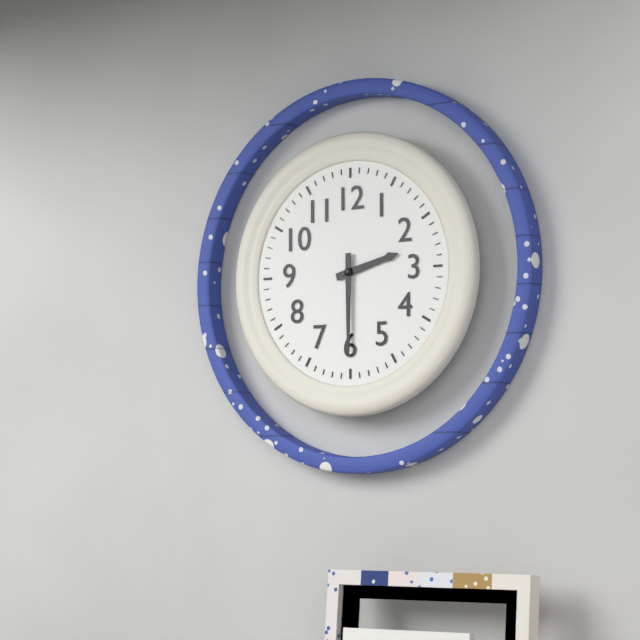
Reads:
{"hour": 2, "minute": 30}
